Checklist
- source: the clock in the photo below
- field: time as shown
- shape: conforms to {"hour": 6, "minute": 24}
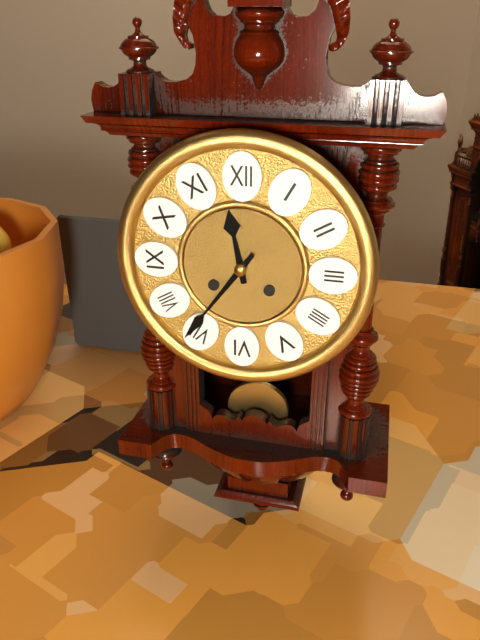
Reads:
{"hour": 11, "minute": 36}
